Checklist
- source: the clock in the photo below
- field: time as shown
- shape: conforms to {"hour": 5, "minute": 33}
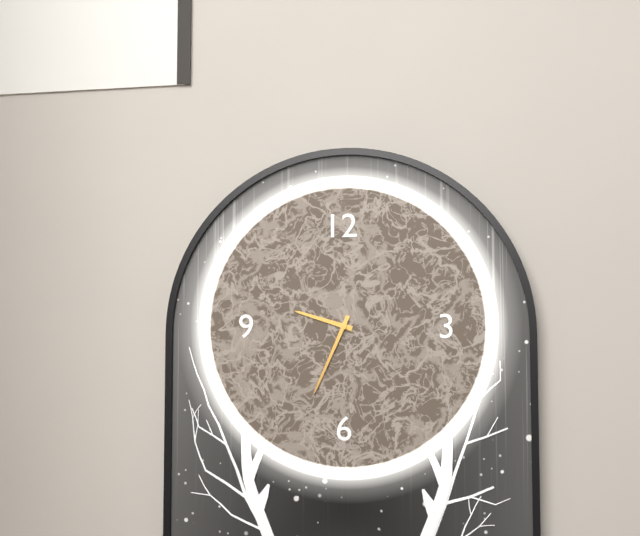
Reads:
{"hour": 9, "minute": 34}
